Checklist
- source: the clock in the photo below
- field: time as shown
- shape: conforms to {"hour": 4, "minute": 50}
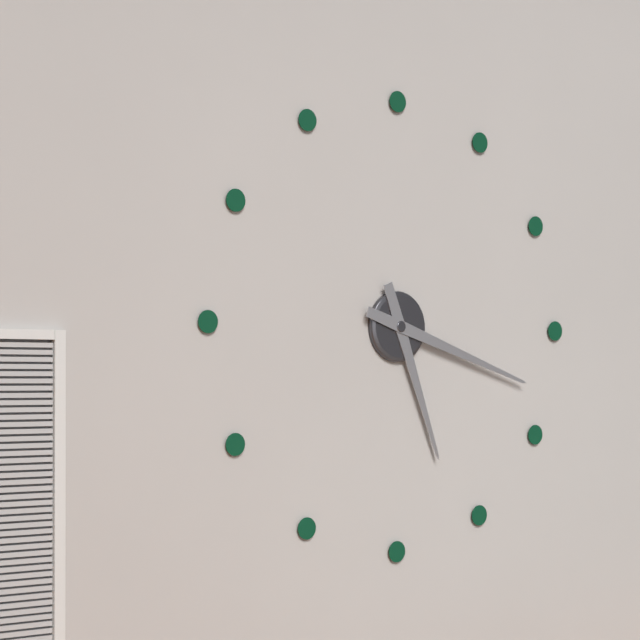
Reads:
{"hour": 5, "minute": 18}
